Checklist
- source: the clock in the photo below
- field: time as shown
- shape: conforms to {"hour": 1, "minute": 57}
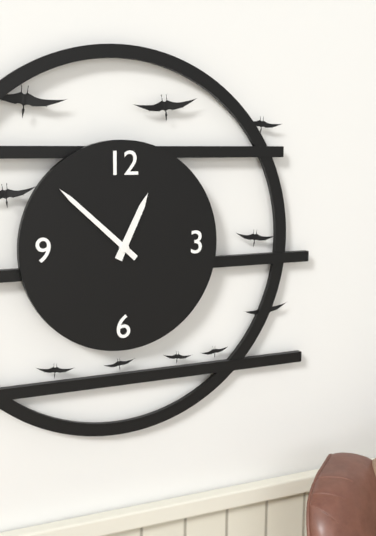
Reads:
{"hour": 12, "minute": 52}
